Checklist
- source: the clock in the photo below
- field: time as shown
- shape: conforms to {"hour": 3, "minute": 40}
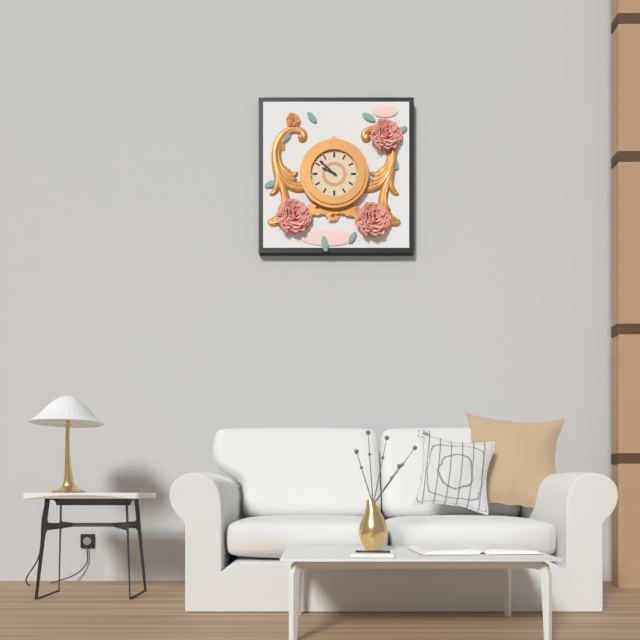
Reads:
{"hour": 9, "minute": 52}
